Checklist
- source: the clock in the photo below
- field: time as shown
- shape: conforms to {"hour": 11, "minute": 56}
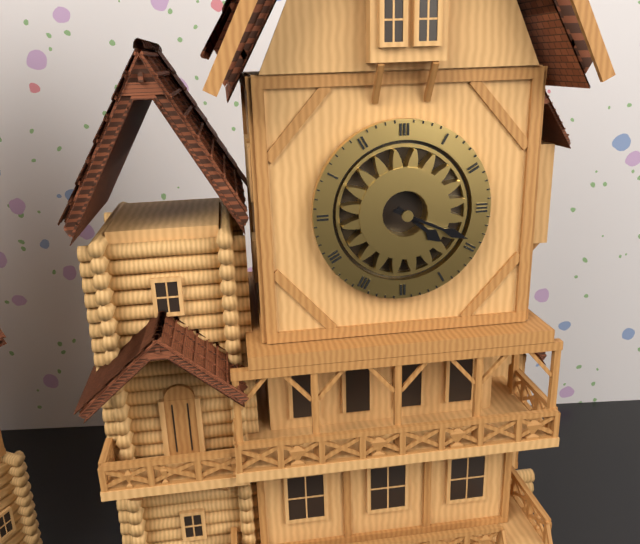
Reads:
{"hour": 4, "minute": 19}
